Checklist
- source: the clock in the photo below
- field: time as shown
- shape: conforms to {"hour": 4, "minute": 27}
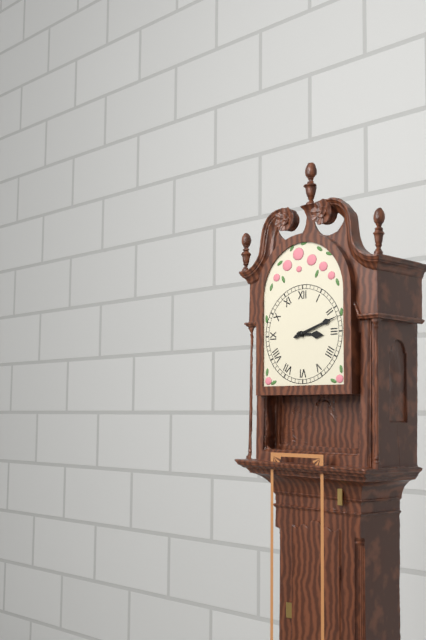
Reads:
{"hour": 3, "minute": 12}
